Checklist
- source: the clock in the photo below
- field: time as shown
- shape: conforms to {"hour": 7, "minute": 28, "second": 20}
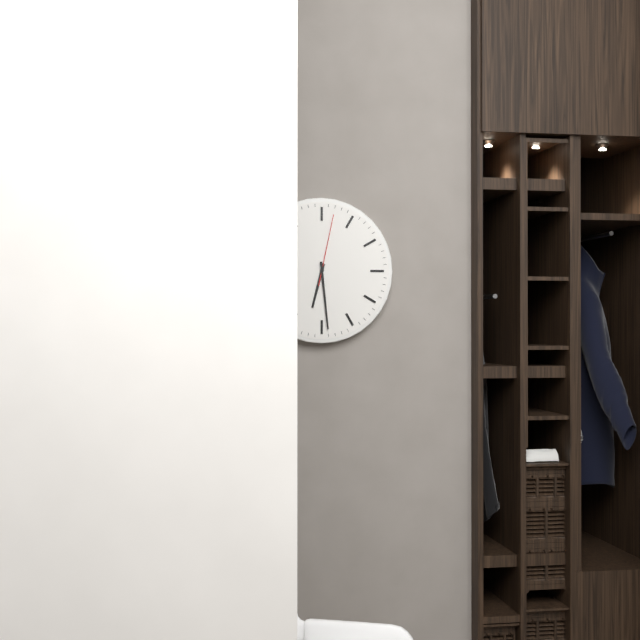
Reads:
{"hour": 6, "minute": 29, "second": 2}
